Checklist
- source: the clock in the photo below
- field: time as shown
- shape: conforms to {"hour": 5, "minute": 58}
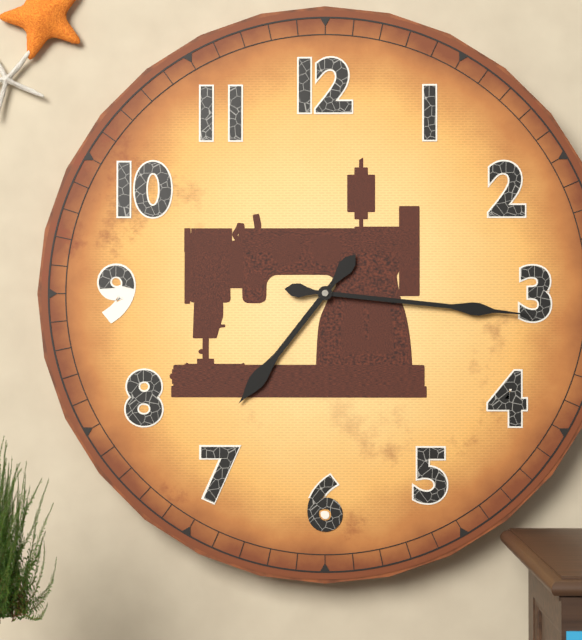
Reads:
{"hour": 7, "minute": 16}
